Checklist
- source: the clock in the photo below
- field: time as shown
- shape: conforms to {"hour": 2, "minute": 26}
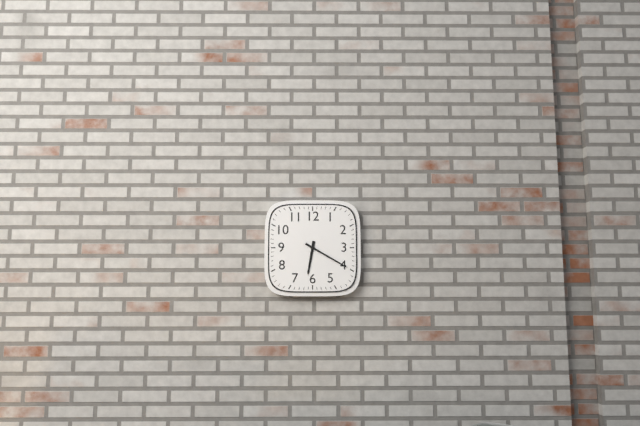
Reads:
{"hour": 6, "minute": 20}
